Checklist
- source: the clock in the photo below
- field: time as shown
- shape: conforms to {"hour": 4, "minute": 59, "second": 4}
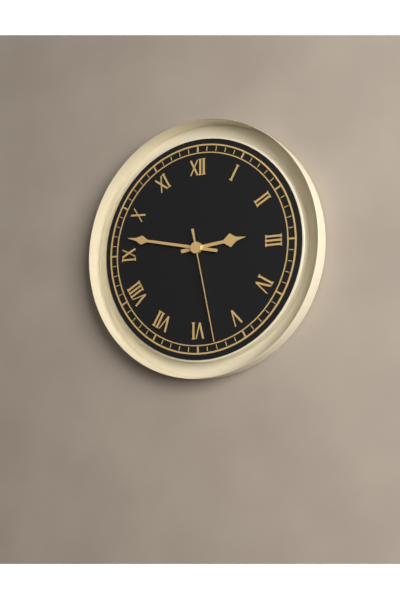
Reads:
{"hour": 2, "minute": 47, "second": 28}
